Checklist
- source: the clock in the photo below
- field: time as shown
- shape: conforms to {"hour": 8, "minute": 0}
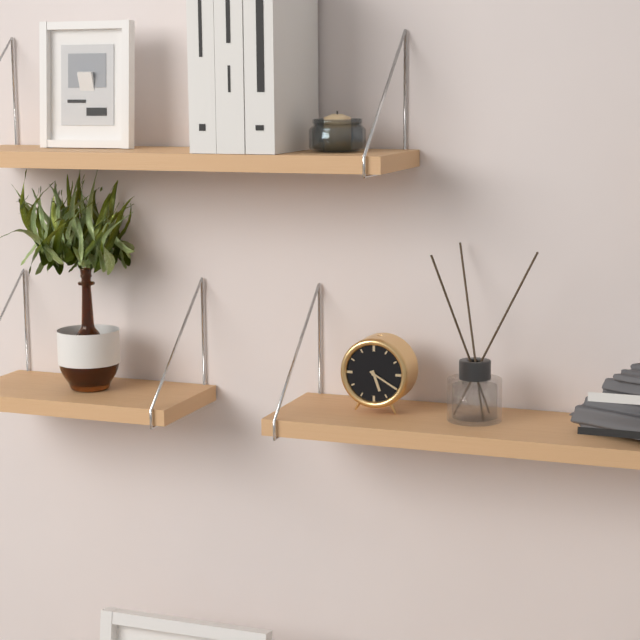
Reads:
{"hour": 5, "minute": 20}
